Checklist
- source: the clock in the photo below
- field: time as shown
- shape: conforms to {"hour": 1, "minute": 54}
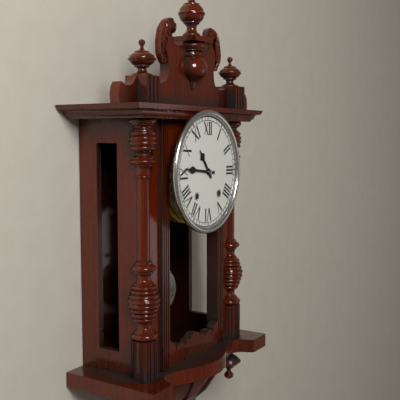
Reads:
{"hour": 10, "minute": 46}
